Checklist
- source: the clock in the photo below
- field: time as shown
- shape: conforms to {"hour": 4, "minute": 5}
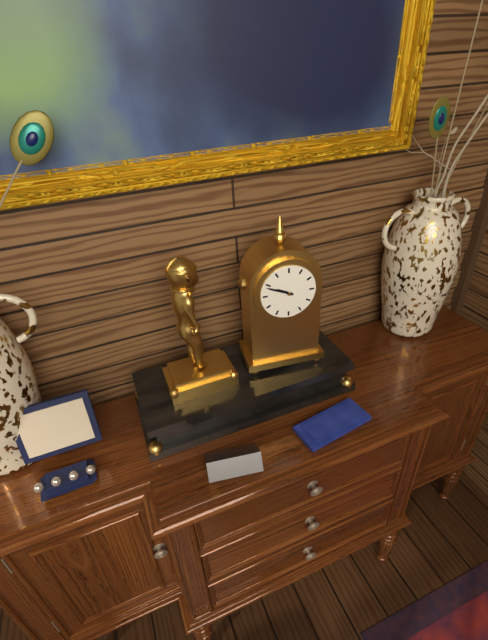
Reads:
{"hour": 9, "minute": 49}
